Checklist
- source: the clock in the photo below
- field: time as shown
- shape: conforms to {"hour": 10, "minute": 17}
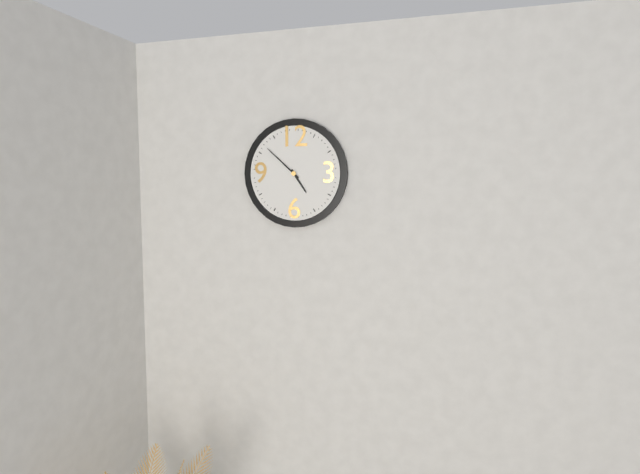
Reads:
{"hour": 4, "minute": 52}
